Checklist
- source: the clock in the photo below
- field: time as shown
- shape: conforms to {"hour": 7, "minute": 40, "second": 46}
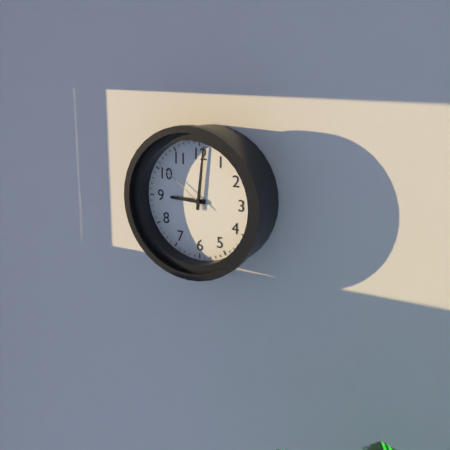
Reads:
{"hour": 9, "minute": 1, "second": 51}
